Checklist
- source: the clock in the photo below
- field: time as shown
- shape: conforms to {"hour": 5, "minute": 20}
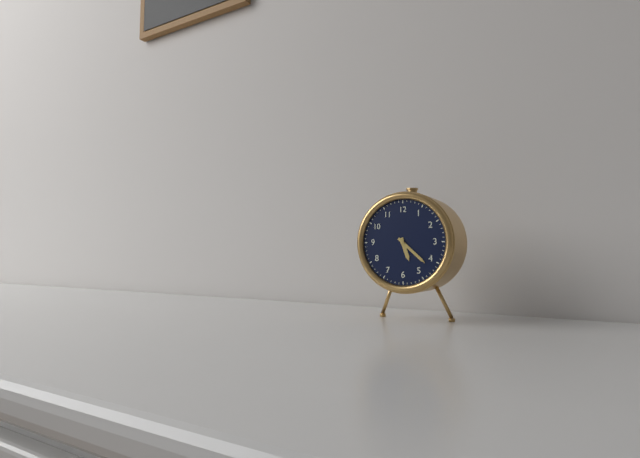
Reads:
{"hour": 5, "minute": 22}
